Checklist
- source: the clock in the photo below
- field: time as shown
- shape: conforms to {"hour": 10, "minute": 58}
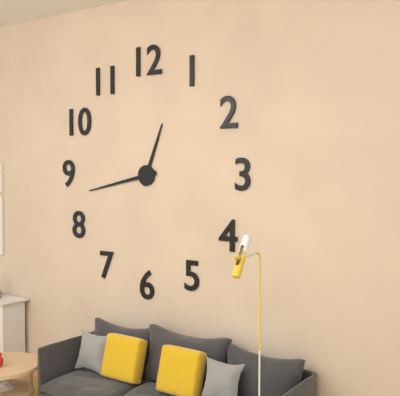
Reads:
{"hour": 12, "minute": 43}
